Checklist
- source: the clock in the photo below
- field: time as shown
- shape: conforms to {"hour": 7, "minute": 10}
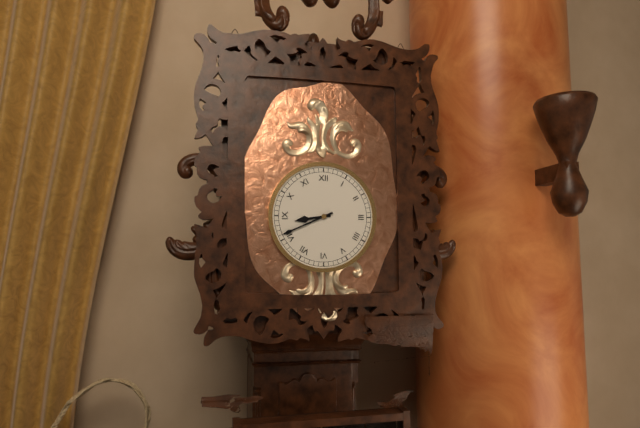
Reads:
{"hour": 8, "minute": 41}
